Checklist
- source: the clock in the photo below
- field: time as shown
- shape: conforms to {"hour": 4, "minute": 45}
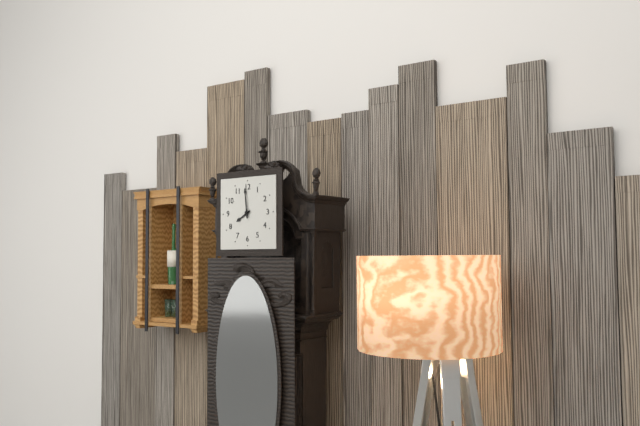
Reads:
{"hour": 7, "minute": 59}
